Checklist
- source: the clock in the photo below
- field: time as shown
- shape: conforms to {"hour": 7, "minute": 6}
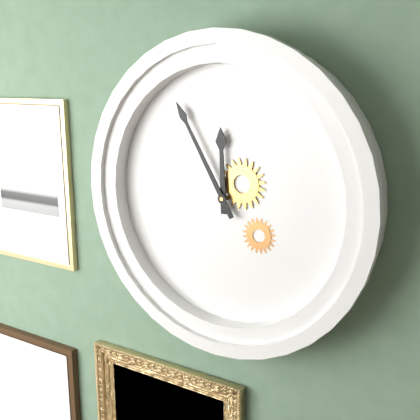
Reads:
{"hour": 11, "minute": 55}
